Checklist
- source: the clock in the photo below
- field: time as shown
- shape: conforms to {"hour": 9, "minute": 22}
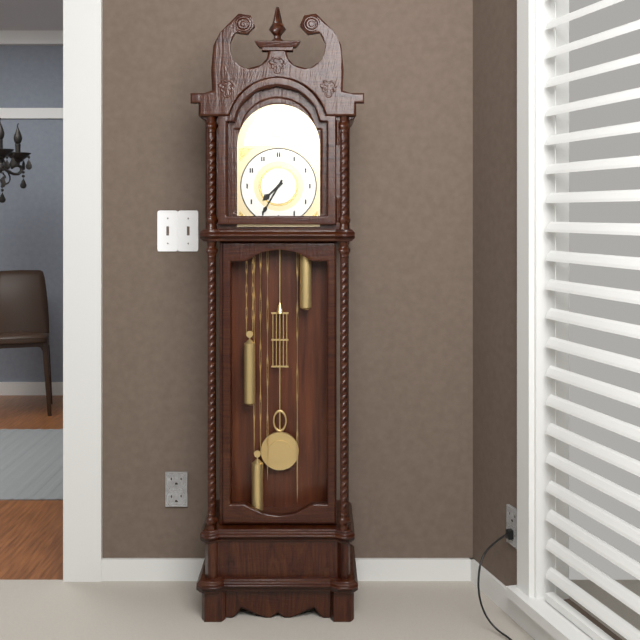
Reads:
{"hour": 7, "minute": 35}
